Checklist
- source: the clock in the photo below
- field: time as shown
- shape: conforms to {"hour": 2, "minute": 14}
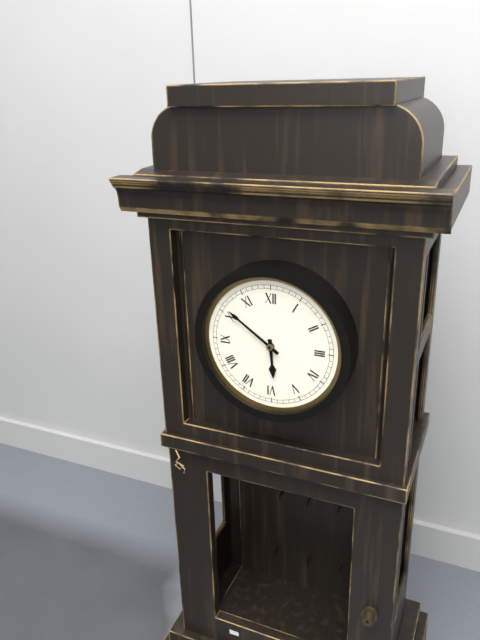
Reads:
{"hour": 5, "minute": 51}
